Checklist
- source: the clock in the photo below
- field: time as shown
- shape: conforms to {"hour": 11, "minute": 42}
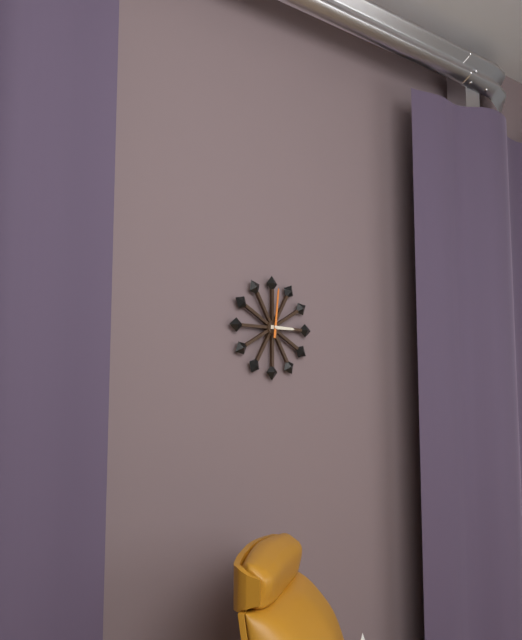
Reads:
{"hour": 3, "minute": 1}
